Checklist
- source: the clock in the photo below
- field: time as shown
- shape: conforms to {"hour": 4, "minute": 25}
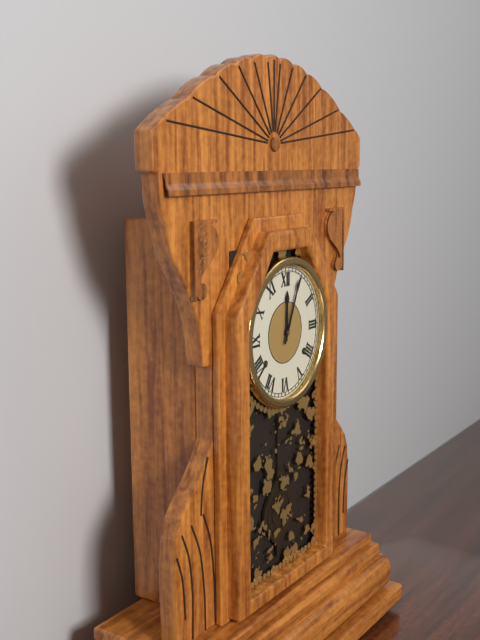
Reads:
{"hour": 12, "minute": 4}
